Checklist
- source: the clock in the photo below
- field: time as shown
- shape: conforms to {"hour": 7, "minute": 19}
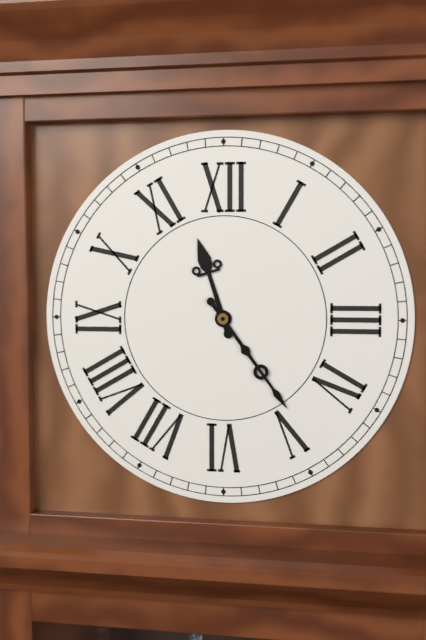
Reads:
{"hour": 11, "minute": 24}
